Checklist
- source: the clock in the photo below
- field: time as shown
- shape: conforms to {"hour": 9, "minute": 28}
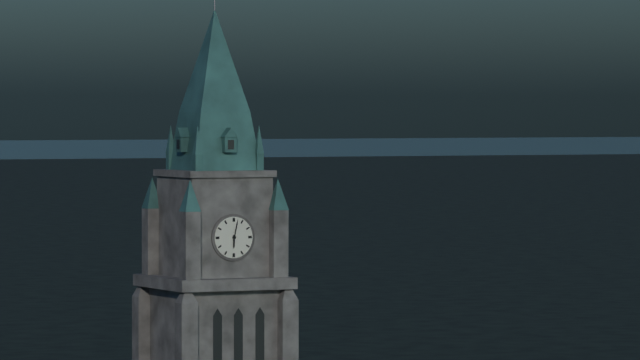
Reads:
{"hour": 6, "minute": 2}
